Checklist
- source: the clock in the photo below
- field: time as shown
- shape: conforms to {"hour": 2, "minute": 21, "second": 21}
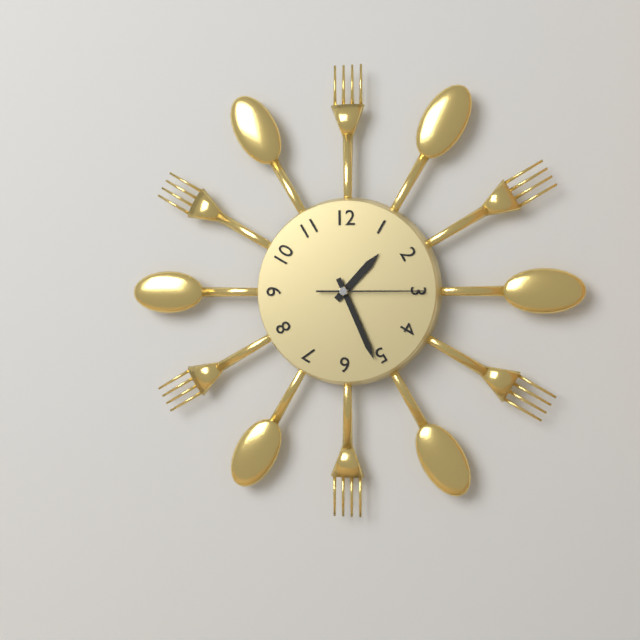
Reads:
{"hour": 1, "minute": 26, "second": 15}
